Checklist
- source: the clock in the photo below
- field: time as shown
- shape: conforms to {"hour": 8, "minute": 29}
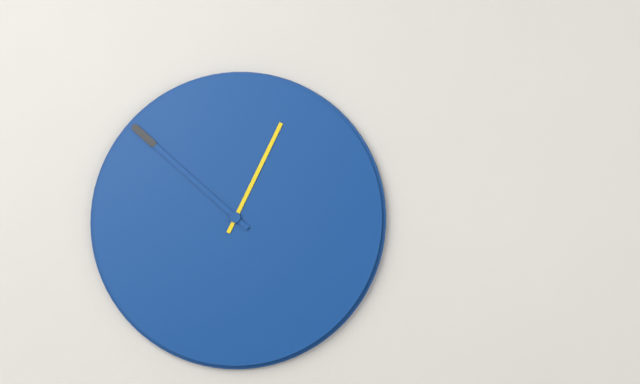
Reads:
{"hour": 12, "minute": 52}
